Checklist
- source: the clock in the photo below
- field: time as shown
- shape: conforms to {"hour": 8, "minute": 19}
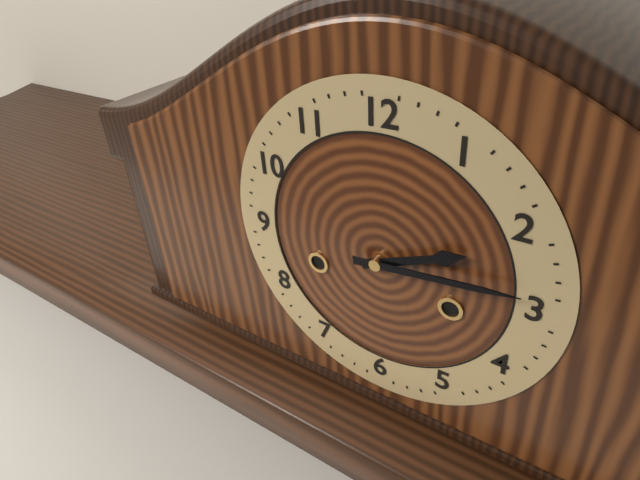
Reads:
{"hour": 2, "minute": 14}
